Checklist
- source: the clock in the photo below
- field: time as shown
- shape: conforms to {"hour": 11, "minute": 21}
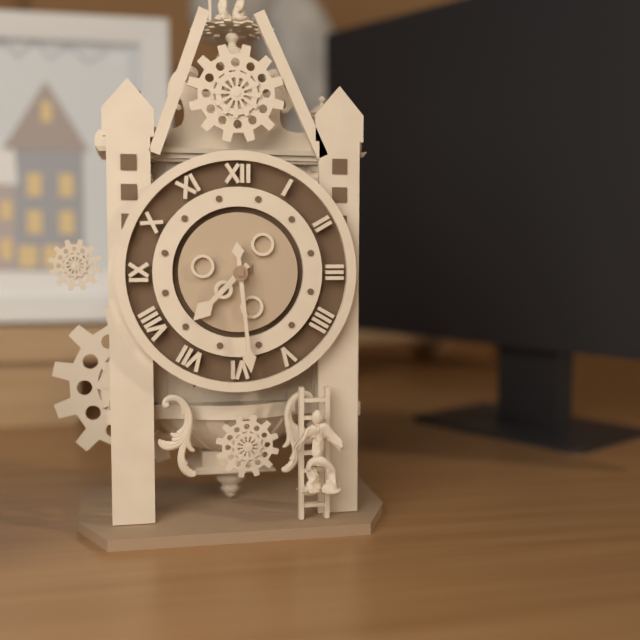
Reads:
{"hour": 7, "minute": 29}
